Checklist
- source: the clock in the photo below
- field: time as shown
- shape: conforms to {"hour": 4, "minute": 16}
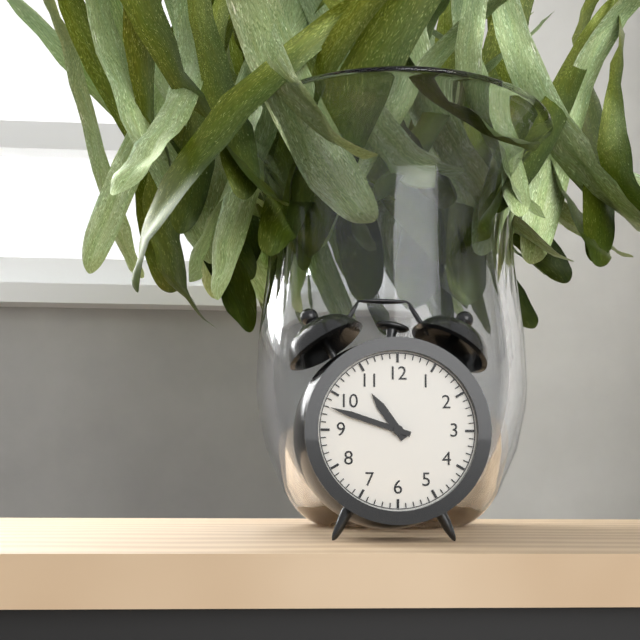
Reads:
{"hour": 10, "minute": 48}
